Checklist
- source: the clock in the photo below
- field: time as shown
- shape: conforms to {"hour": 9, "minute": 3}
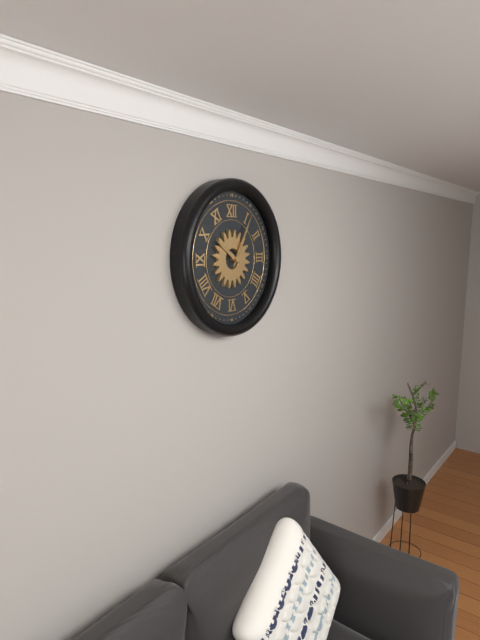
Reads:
{"hour": 10, "minute": 5}
